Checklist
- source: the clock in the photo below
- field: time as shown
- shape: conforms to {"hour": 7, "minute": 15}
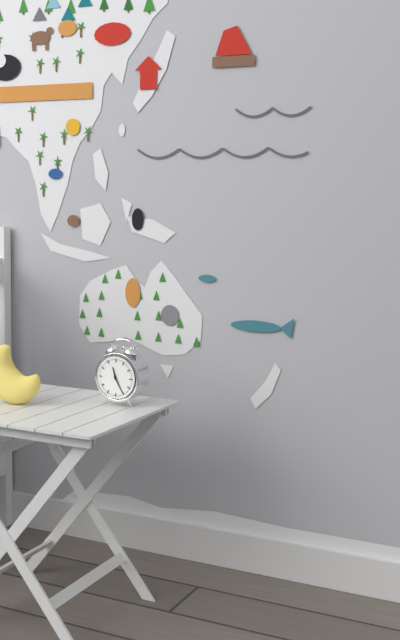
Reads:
{"hour": 11, "minute": 25}
